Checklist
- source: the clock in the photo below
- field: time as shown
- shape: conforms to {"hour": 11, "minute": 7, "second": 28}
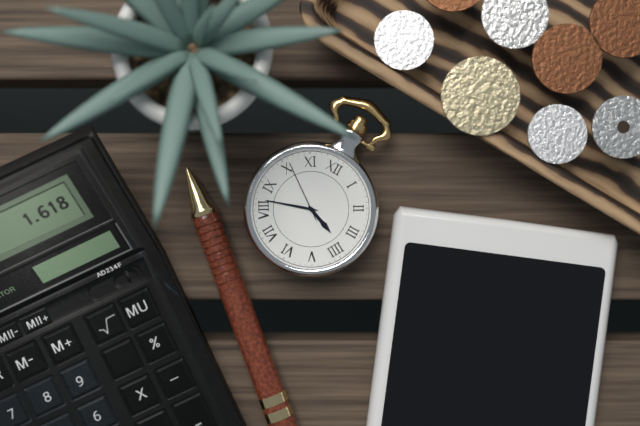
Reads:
{"hour": 3, "minute": 42, "second": 51}
